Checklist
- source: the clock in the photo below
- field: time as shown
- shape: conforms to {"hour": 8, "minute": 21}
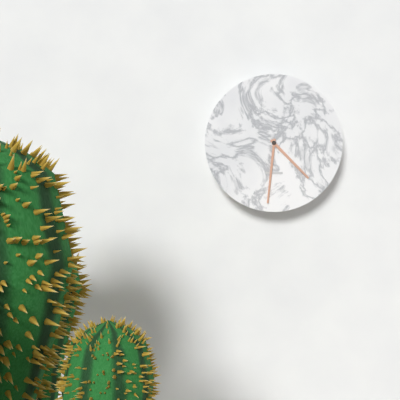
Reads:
{"hour": 4, "minute": 31}
